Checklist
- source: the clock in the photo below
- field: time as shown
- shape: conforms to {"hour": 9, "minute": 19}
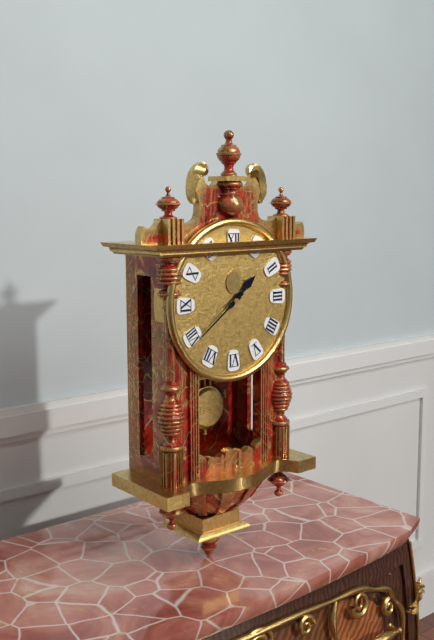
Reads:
{"hour": 1, "minute": 39}
